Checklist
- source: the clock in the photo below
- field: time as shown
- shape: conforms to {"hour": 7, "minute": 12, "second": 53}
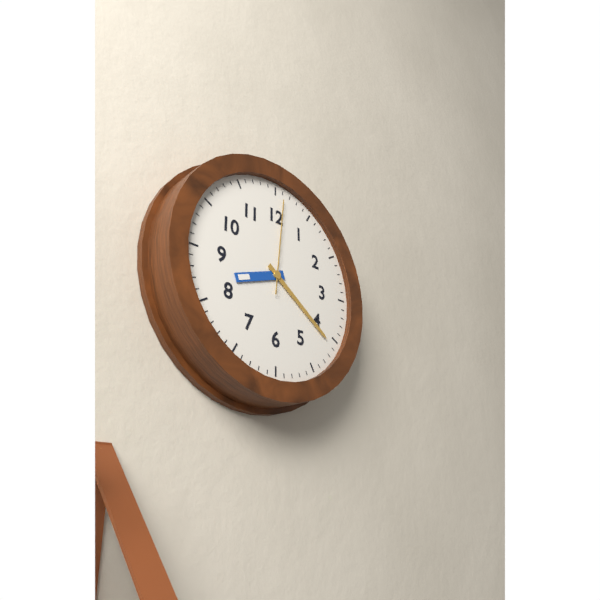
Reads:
{"hour": 8, "minute": 21, "second": 1}
